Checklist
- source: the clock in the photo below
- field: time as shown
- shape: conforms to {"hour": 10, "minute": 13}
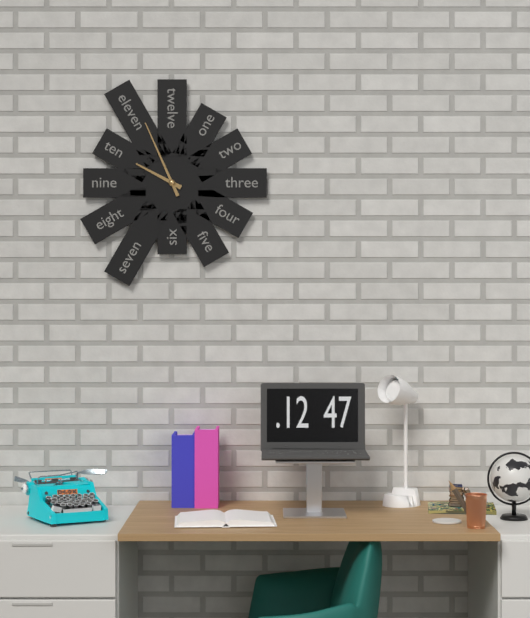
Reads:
{"hour": 9, "minute": 56}
